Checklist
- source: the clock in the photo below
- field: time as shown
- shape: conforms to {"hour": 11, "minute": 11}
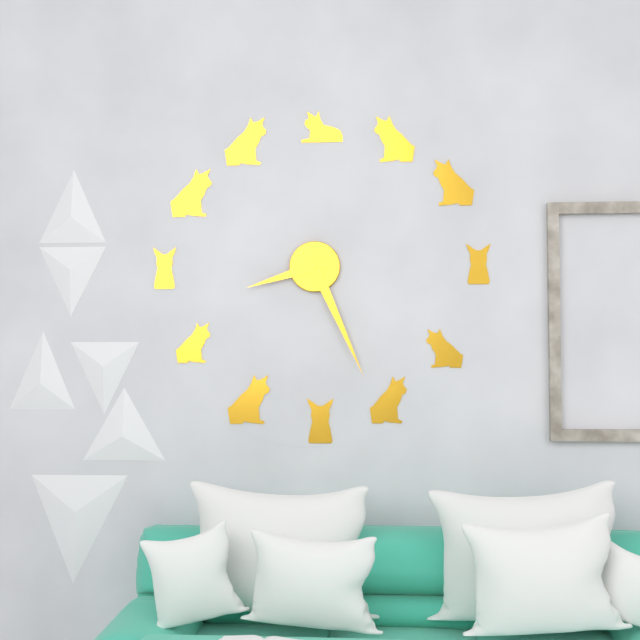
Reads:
{"hour": 8, "minute": 26}
